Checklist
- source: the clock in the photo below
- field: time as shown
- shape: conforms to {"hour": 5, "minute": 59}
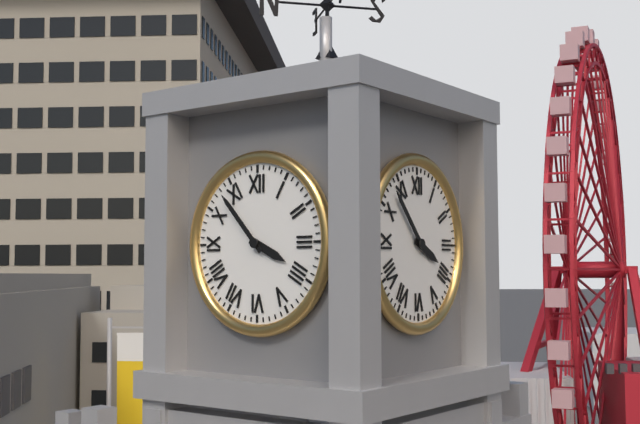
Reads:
{"hour": 3, "minute": 53}
